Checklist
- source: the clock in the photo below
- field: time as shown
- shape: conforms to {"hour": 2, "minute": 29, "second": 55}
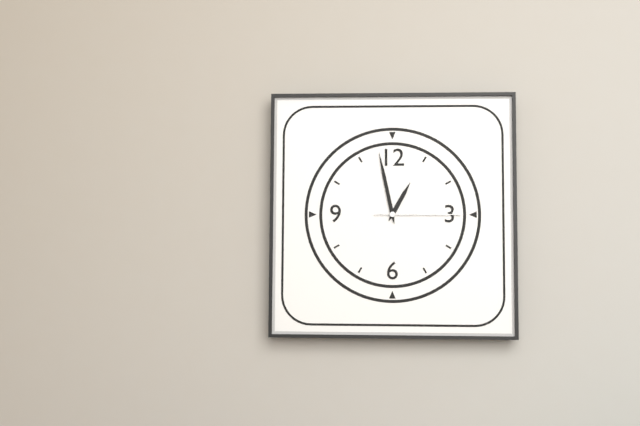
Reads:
{"hour": 12, "minute": 58, "second": 15}
